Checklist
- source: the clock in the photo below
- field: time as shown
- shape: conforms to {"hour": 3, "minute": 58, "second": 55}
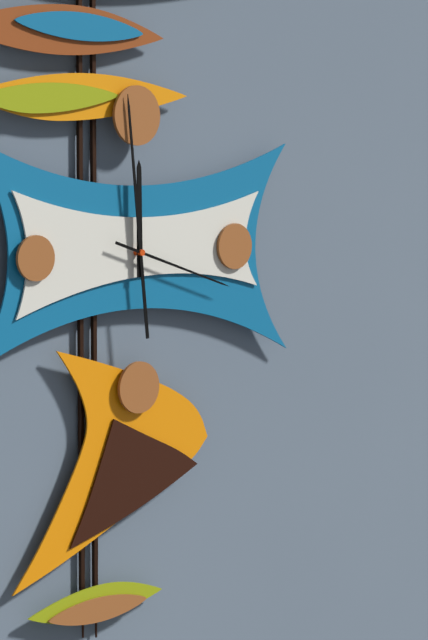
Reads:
{"hour": 11, "minute": 59, "second": 18}
